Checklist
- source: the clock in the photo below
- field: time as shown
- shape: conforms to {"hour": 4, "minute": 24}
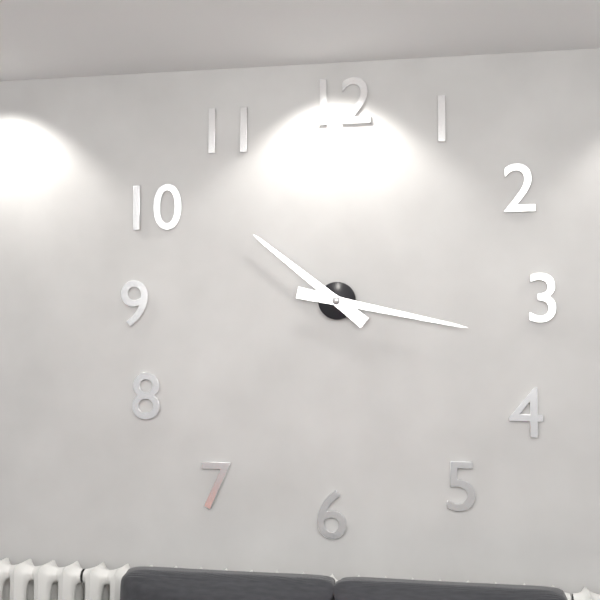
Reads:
{"hour": 10, "minute": 17}
